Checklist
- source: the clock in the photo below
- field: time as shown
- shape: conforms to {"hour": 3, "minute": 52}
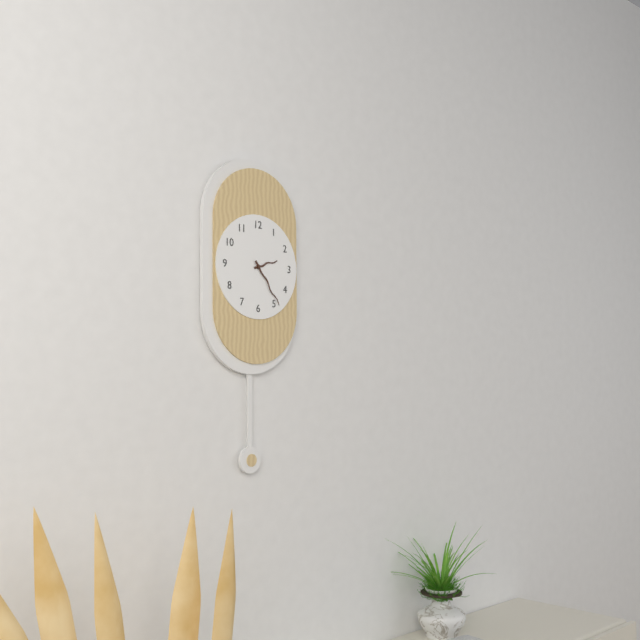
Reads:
{"hour": 2, "minute": 24}
